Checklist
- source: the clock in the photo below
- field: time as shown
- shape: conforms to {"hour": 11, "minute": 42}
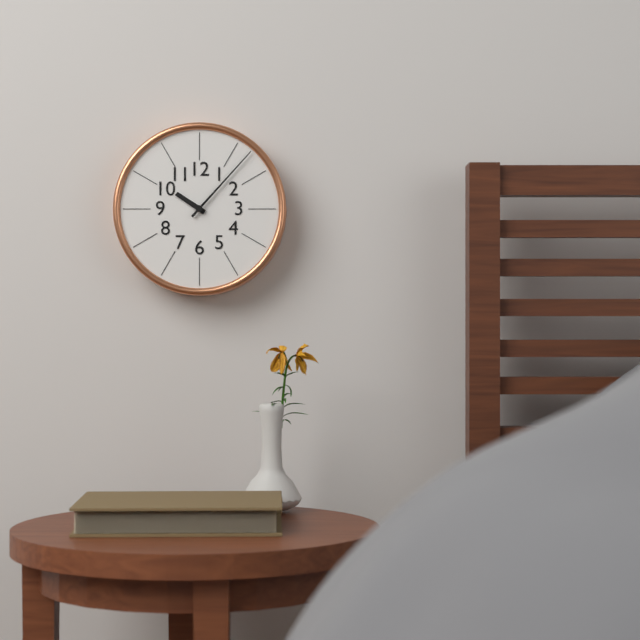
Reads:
{"hour": 10, "minute": 7}
